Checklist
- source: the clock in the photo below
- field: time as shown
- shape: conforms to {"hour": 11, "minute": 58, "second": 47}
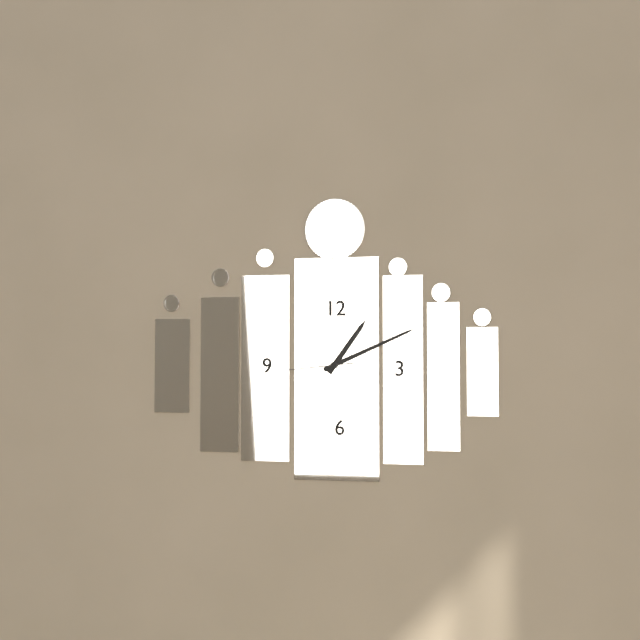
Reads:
{"hour": 1, "minute": 11, "second": 44}
